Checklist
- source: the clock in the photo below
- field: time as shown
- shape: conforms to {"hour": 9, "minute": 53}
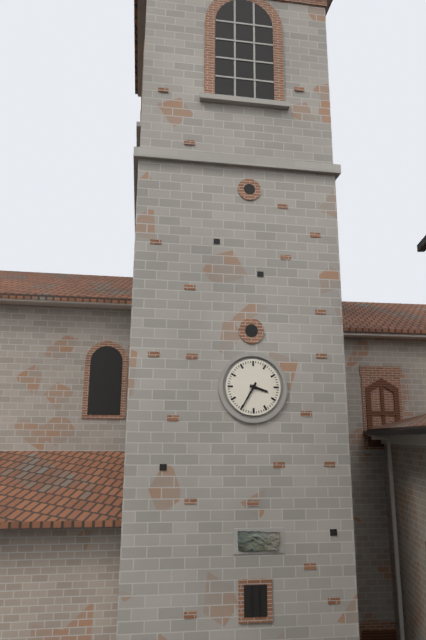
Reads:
{"hour": 3, "minute": 35}
